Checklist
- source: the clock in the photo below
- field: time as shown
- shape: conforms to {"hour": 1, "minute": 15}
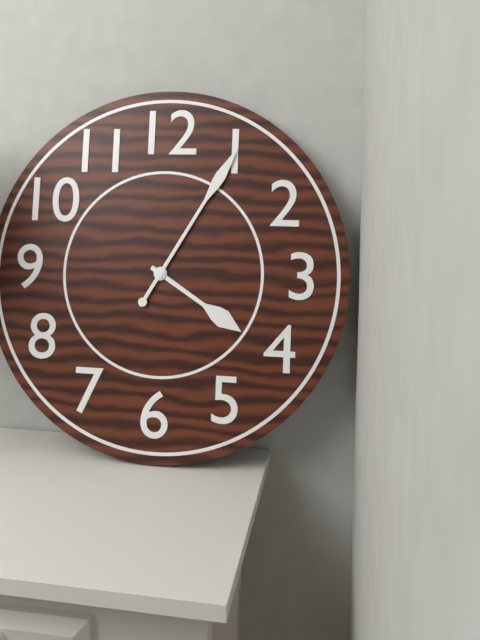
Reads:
{"hour": 4, "minute": 5}
